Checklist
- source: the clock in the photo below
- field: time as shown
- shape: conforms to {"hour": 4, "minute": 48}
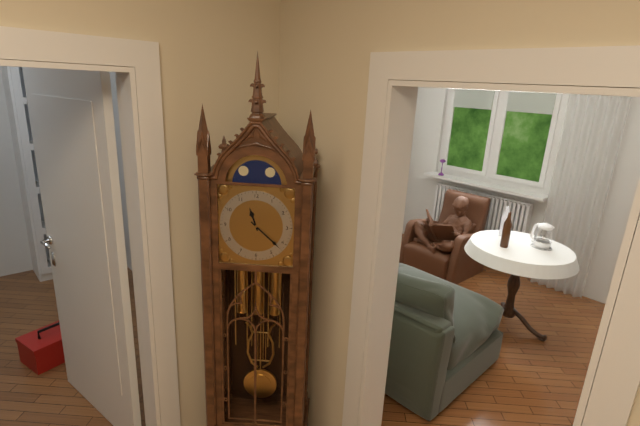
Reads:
{"hour": 11, "minute": 22}
